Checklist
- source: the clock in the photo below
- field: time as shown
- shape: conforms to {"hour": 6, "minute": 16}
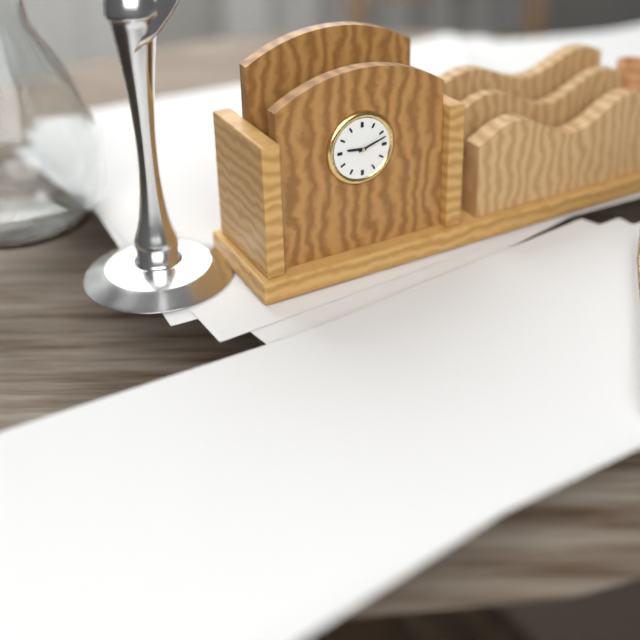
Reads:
{"hour": 9, "minute": 12}
